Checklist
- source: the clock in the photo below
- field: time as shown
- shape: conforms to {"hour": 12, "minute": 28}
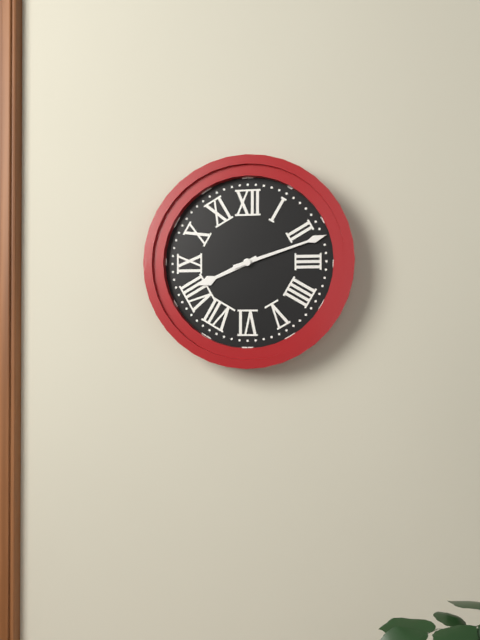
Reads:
{"hour": 8, "minute": 12}
